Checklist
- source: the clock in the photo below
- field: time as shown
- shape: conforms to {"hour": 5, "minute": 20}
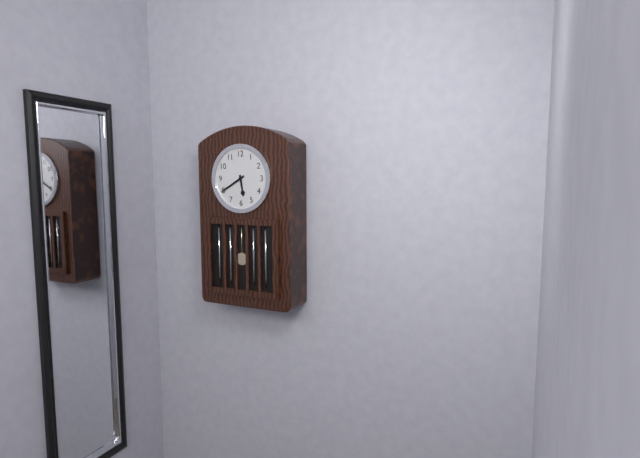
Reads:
{"hour": 5, "minute": 40}
